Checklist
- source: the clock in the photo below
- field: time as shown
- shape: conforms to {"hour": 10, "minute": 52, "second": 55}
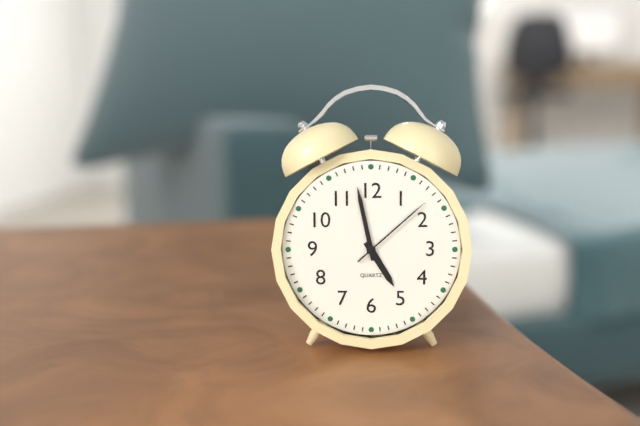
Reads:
{"hour": 4, "minute": 58, "second": 8}
